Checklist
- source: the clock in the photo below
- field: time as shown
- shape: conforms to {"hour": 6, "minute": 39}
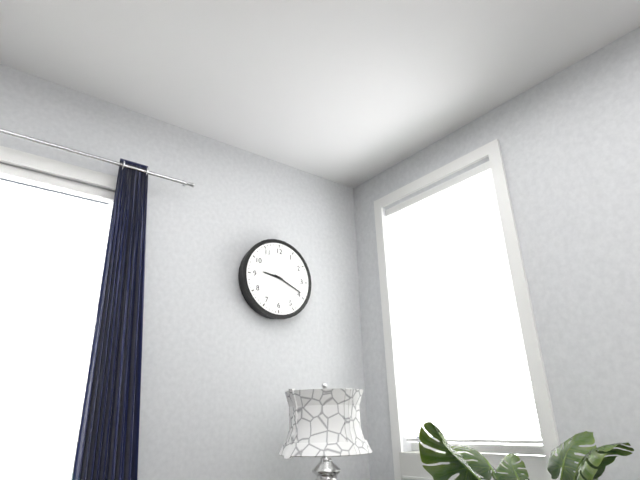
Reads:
{"hour": 9, "minute": 19}
